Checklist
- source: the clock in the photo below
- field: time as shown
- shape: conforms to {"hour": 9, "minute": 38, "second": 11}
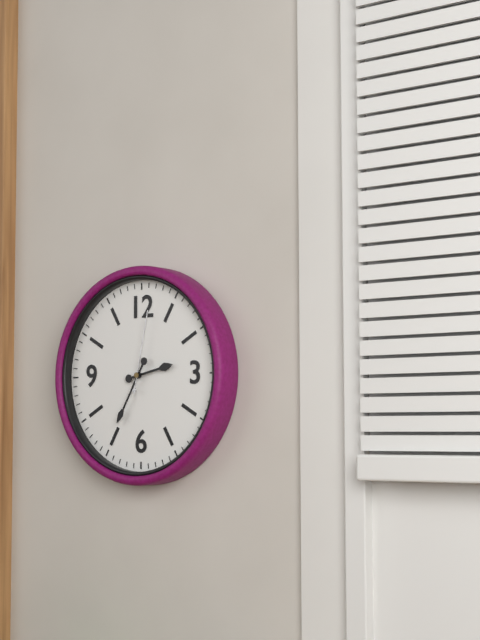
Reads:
{"hour": 2, "minute": 35, "second": 2}
